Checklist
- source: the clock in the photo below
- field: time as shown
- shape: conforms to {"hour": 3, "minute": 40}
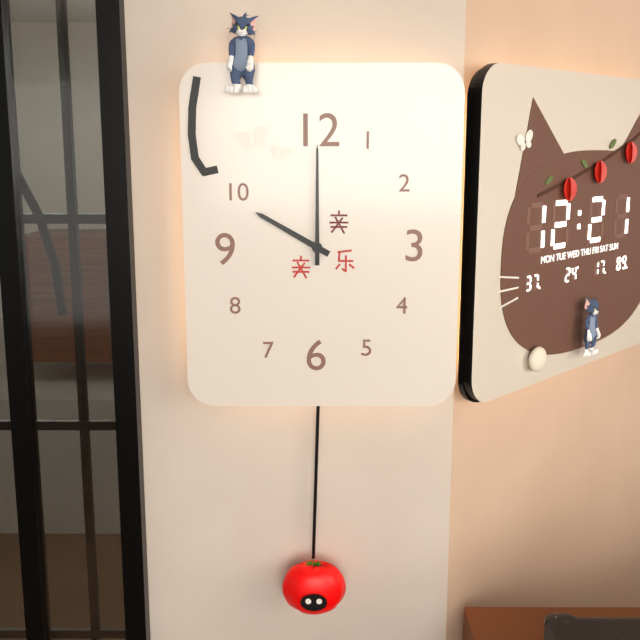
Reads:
{"hour": 10, "minute": 0}
